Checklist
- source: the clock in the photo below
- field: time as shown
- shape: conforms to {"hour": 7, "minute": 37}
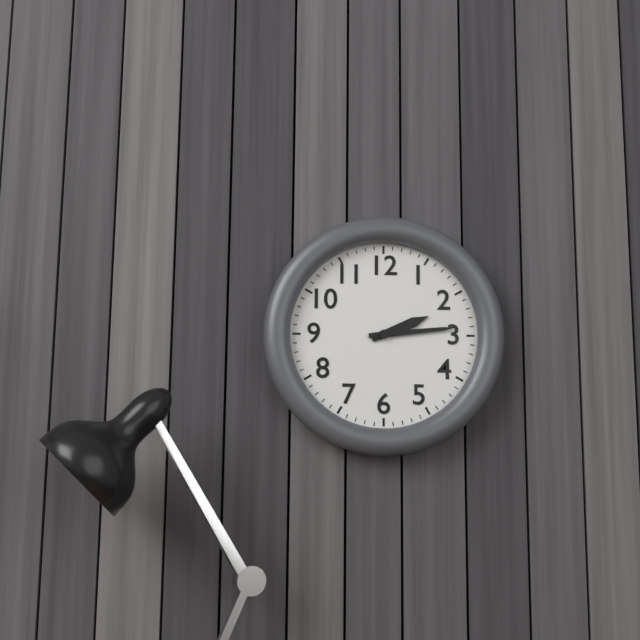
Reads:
{"hour": 2, "minute": 14}
